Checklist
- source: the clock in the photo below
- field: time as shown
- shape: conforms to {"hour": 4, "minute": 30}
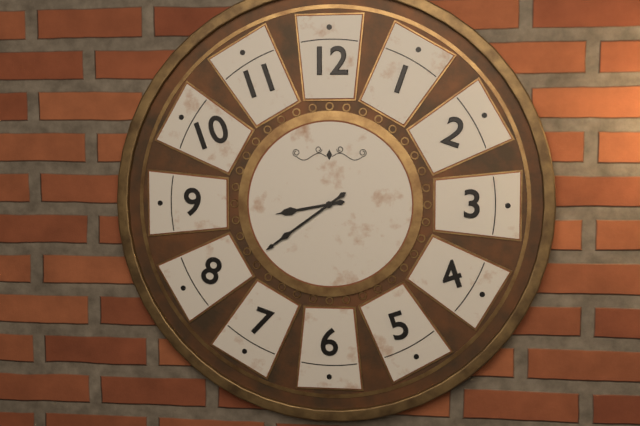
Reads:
{"hour": 8, "minute": 39}
